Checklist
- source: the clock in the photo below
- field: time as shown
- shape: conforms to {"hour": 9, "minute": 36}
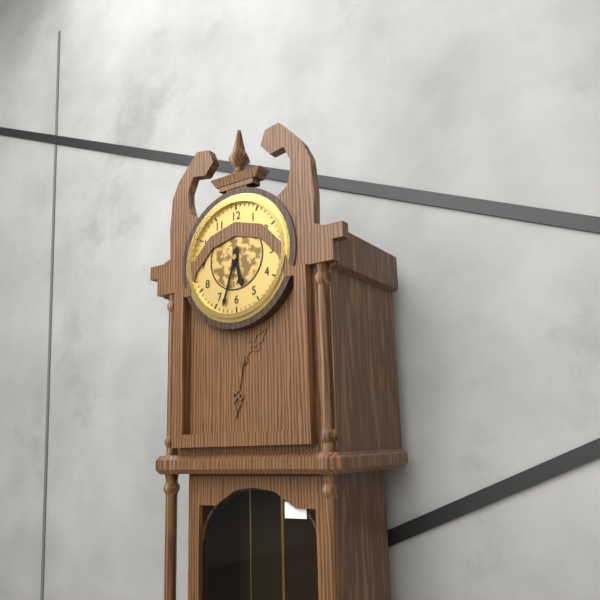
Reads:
{"hour": 5, "minute": 33}
